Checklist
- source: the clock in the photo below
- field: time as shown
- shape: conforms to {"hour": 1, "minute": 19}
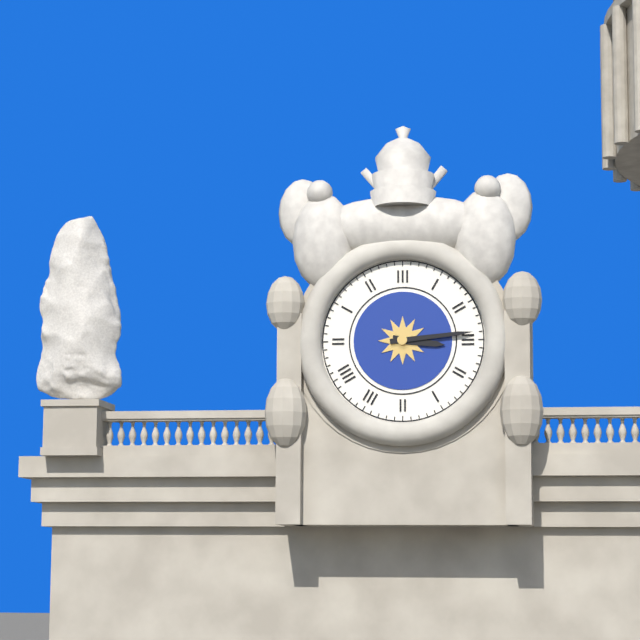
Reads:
{"hour": 3, "minute": 14}
